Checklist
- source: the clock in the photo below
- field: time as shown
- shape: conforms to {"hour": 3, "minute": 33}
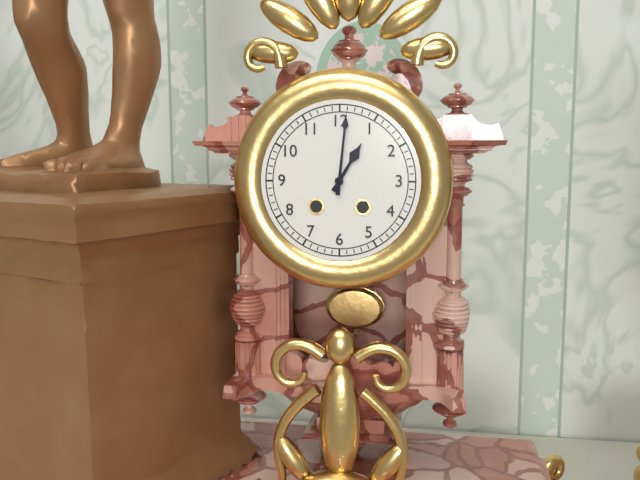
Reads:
{"hour": 1, "minute": 1}
